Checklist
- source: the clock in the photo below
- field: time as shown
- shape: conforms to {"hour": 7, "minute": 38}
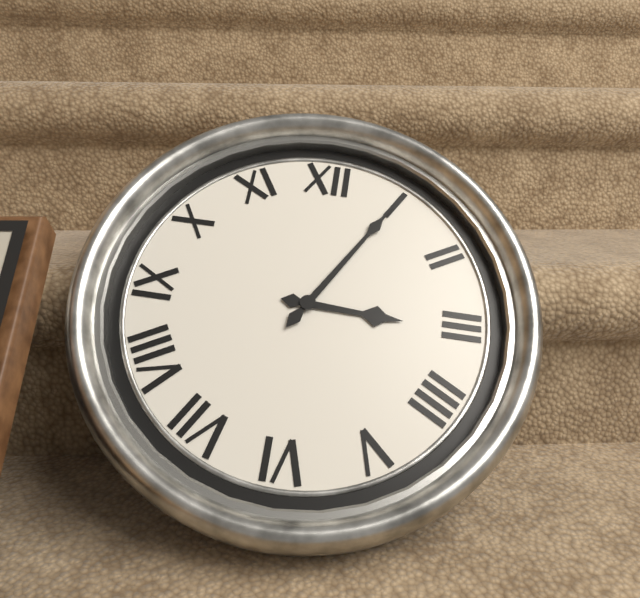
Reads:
{"hour": 3, "minute": 5}
